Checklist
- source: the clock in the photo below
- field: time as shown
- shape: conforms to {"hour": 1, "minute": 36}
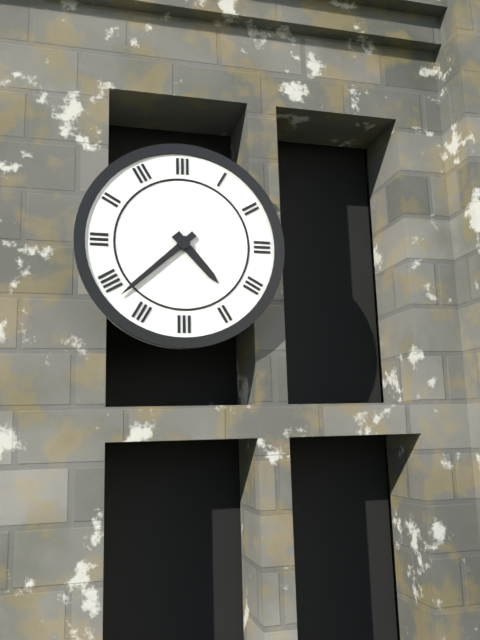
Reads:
{"hour": 4, "minute": 38}
